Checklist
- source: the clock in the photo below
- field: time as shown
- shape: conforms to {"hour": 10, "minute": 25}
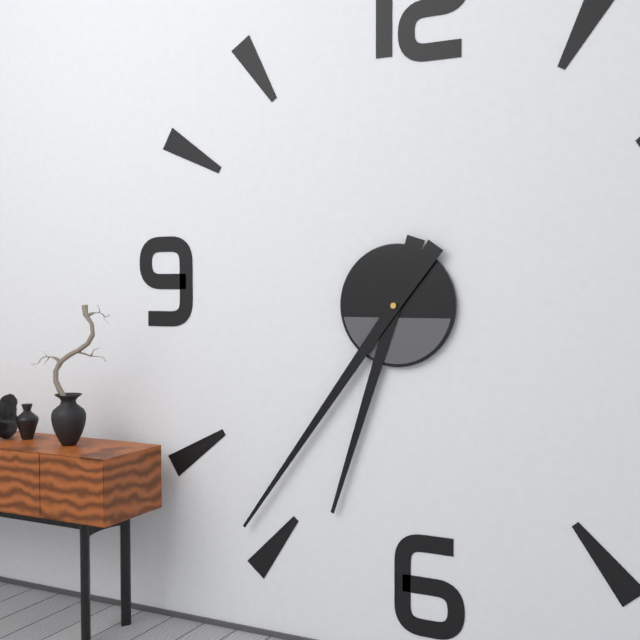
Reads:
{"hour": 6, "minute": 36}
